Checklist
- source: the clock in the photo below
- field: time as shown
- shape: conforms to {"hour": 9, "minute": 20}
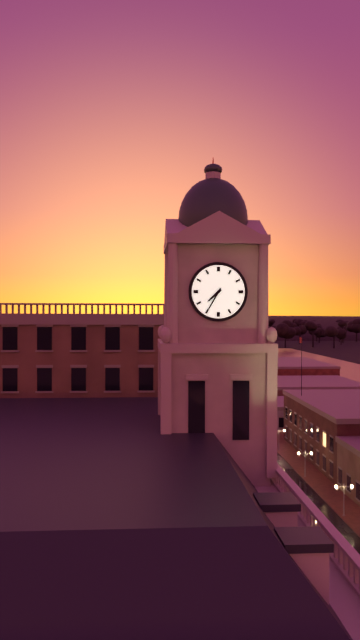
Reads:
{"hour": 7, "minute": 35}
